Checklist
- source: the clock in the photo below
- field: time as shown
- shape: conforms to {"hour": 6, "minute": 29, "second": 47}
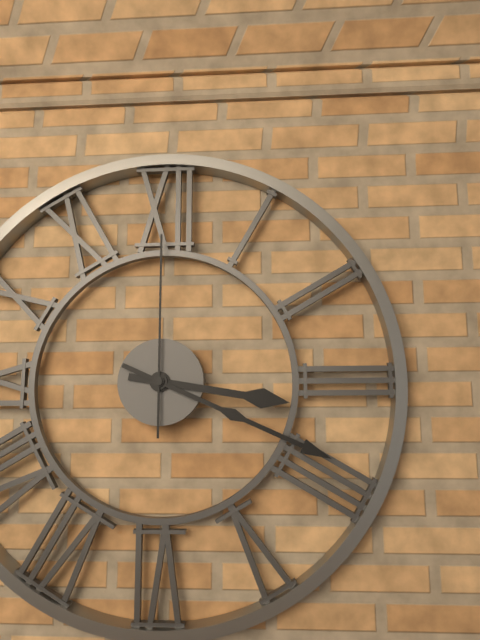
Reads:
{"hour": 3, "minute": 19, "second": 0}
